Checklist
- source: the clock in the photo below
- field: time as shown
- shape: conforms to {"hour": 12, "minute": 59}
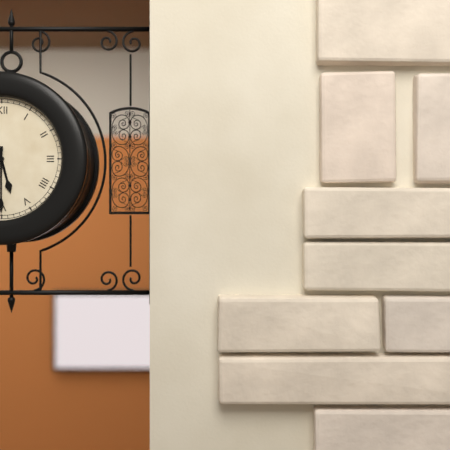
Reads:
{"hour": 5, "minute": 30}
